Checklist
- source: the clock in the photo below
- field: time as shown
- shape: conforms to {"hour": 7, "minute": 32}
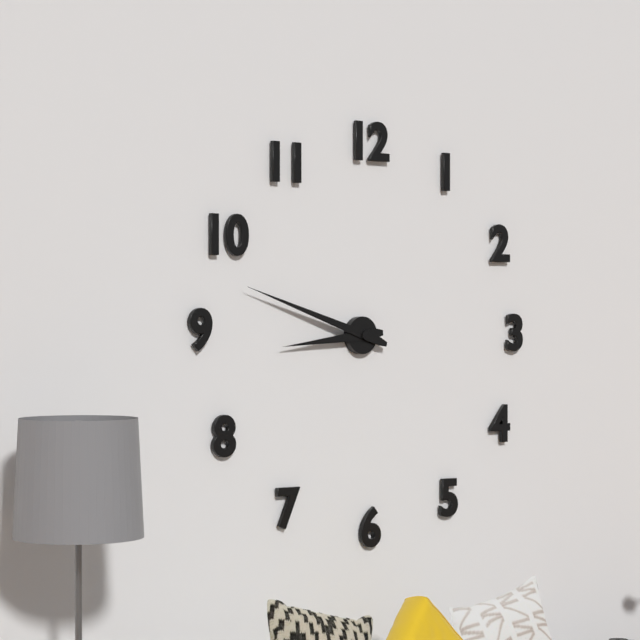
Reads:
{"hour": 8, "minute": 48}
